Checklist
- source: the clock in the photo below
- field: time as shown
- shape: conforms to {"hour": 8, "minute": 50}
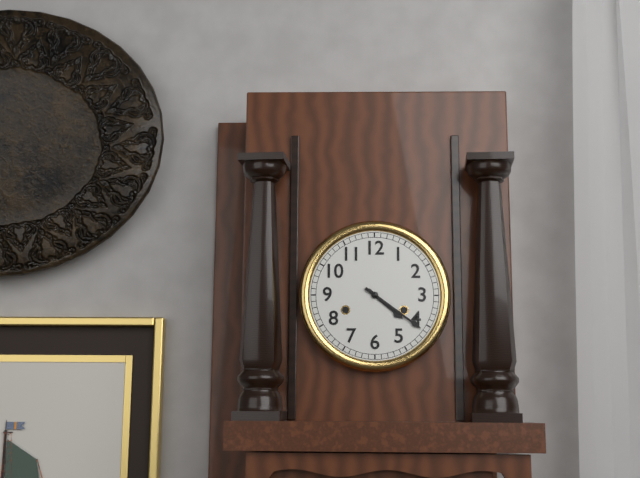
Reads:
{"hour": 4, "minute": 21}
